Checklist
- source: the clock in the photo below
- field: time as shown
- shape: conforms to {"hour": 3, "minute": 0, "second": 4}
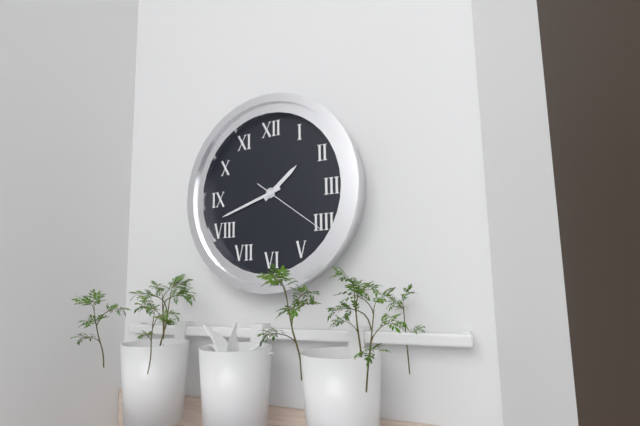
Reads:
{"hour": 1, "minute": 42, "second": 21}
